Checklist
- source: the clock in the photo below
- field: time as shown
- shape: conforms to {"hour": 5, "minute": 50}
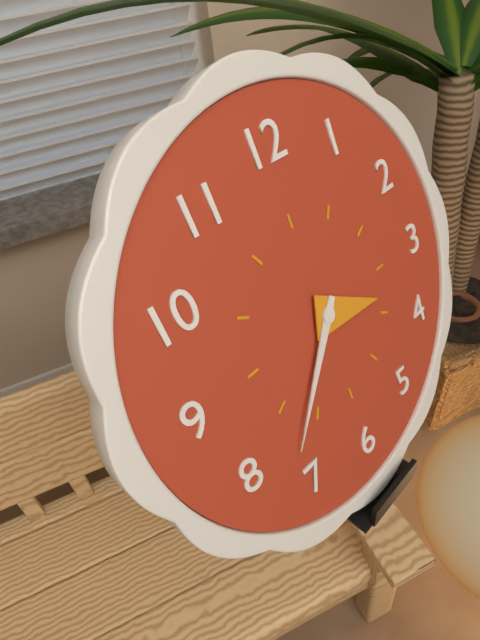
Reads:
{"hour": 3, "minute": 37}
